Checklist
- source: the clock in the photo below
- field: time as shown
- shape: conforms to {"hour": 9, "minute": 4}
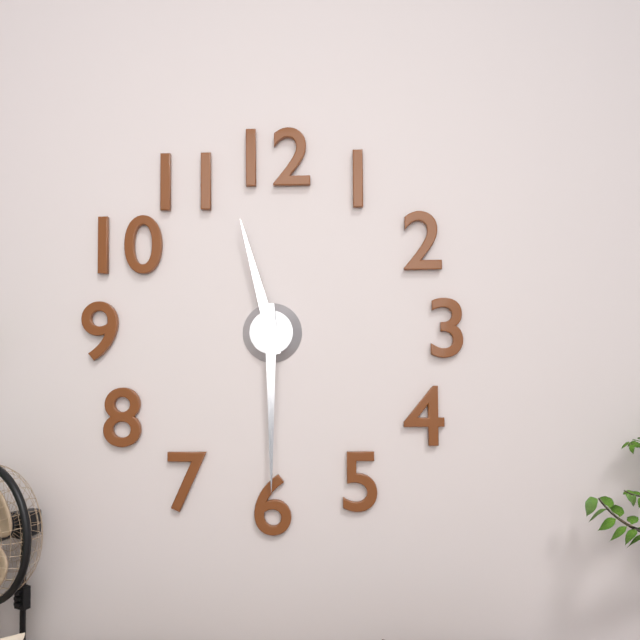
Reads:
{"hour": 11, "minute": 30}
